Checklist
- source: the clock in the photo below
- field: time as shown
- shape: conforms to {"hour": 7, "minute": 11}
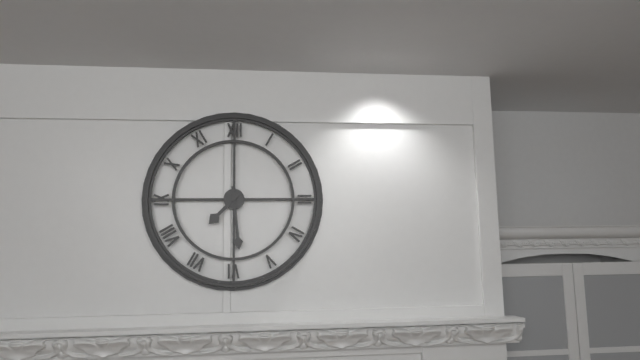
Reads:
{"hour": 7, "minute": 29}
